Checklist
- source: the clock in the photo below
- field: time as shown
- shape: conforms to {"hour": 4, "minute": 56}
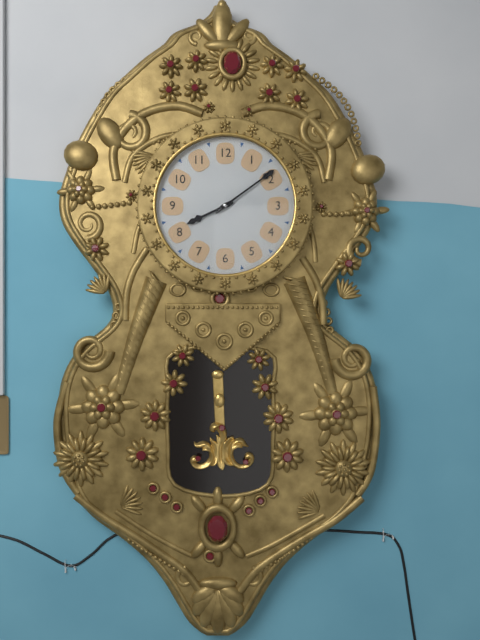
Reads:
{"hour": 8, "minute": 9}
